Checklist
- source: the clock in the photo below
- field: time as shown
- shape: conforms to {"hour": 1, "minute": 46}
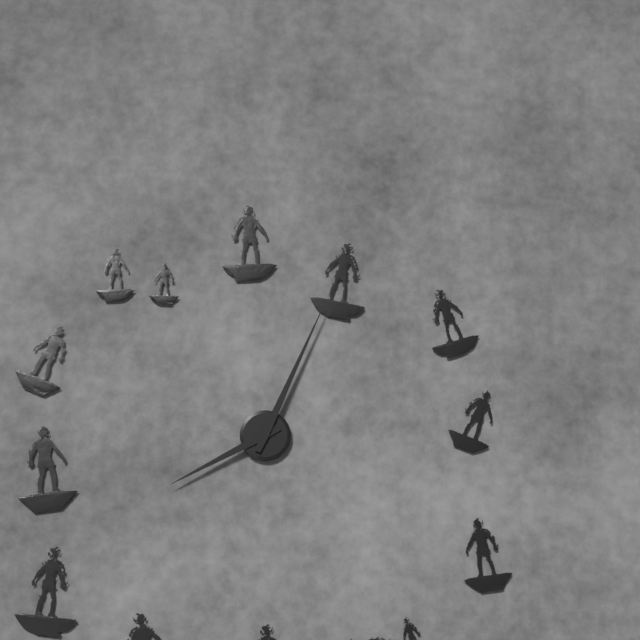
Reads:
{"hour": 8, "minute": 4}
